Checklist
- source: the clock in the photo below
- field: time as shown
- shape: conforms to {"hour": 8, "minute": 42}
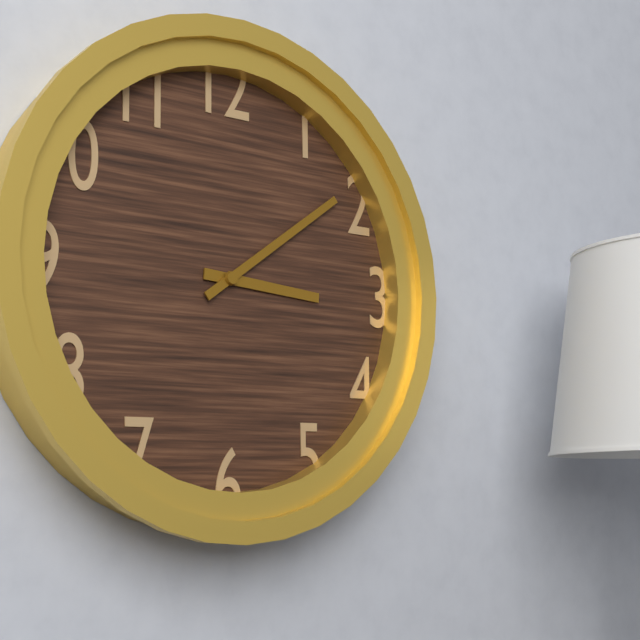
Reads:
{"hour": 3, "minute": 9}
